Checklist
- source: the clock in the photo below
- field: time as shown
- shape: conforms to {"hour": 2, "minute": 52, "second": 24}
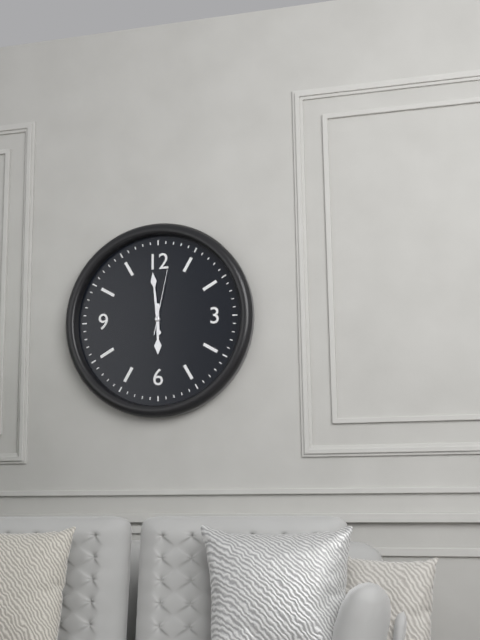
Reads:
{"hour": 5, "minute": 59, "second": 2}
